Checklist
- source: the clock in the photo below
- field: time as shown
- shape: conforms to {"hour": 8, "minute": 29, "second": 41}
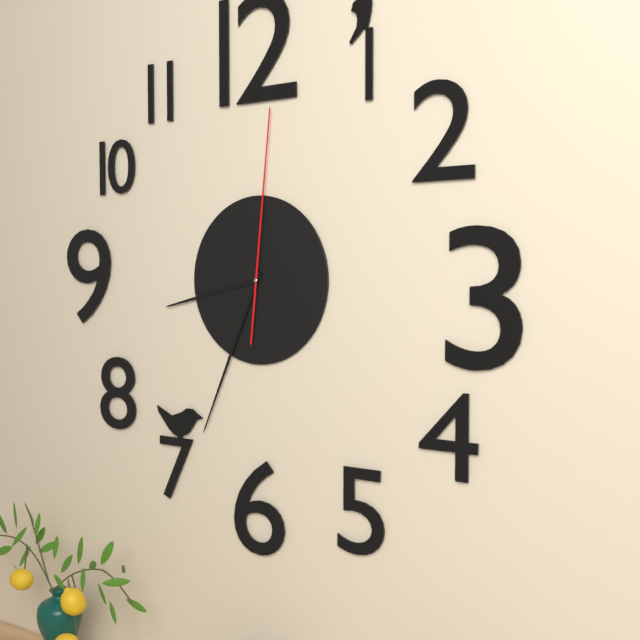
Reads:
{"hour": 8, "minute": 34, "second": 1}
